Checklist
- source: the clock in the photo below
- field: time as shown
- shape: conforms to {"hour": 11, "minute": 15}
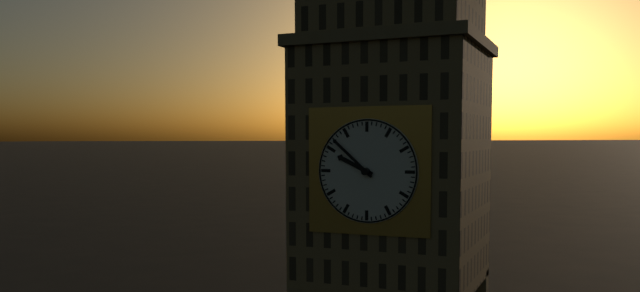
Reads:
{"hour": 9, "minute": 52}
